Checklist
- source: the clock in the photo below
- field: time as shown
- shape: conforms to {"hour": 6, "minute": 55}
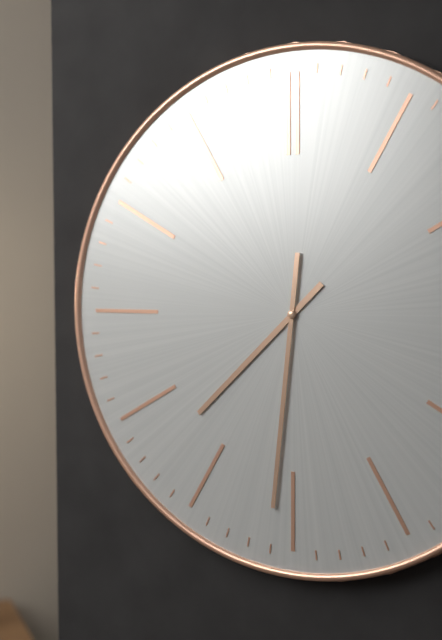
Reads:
{"hour": 7, "minute": 31}
